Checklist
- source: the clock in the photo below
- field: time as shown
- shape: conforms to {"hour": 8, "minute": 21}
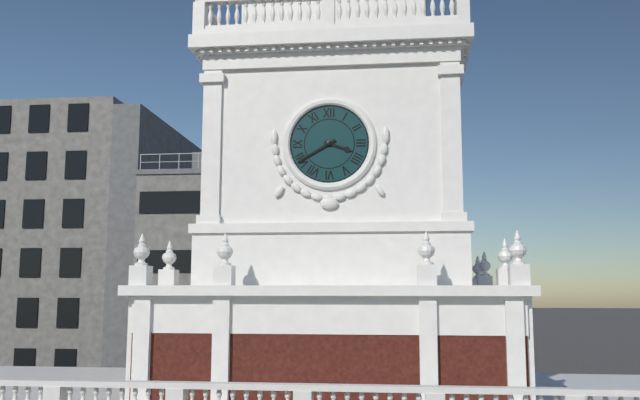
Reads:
{"hour": 3, "minute": 40}
